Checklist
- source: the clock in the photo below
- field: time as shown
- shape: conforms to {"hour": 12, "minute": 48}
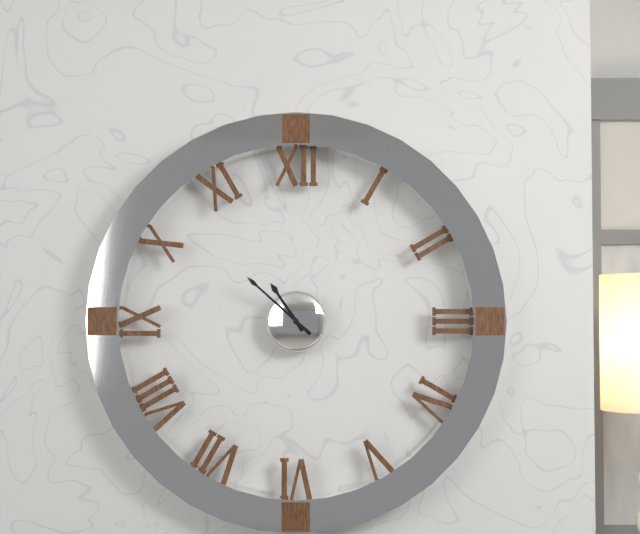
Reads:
{"hour": 10, "minute": 52}
